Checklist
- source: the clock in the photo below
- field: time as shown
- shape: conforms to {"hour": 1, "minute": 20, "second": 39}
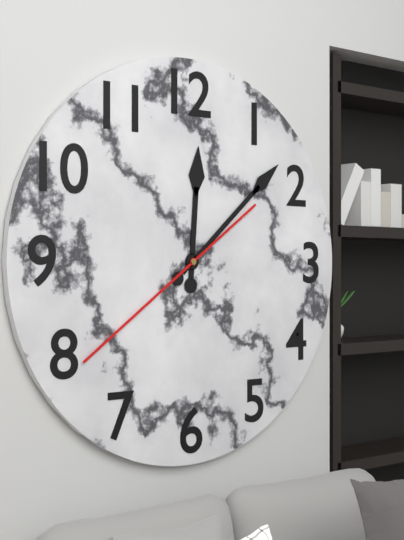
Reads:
{"hour": 12, "minute": 8, "second": 39}
